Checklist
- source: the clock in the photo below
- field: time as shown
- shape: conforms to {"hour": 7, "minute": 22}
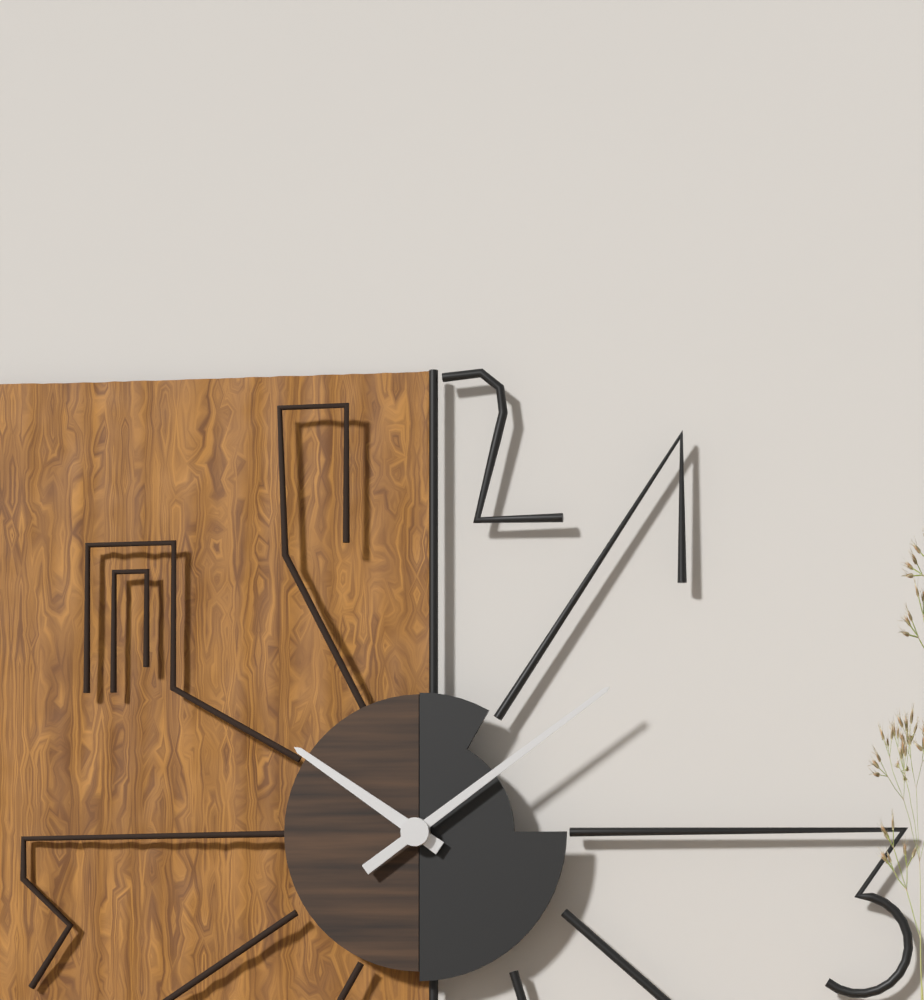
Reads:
{"hour": 10, "minute": 9}
